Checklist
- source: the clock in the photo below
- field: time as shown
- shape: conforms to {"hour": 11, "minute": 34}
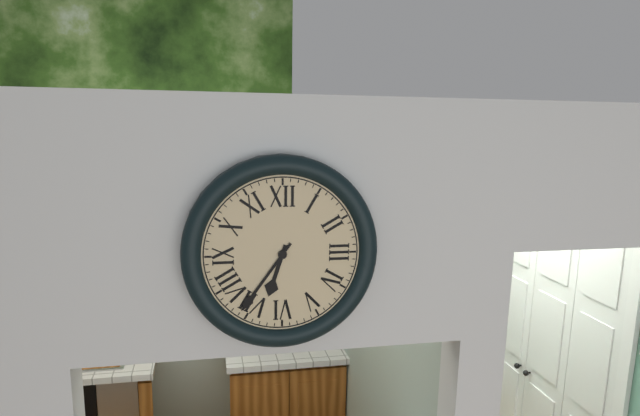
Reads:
{"hour": 6, "minute": 36}
